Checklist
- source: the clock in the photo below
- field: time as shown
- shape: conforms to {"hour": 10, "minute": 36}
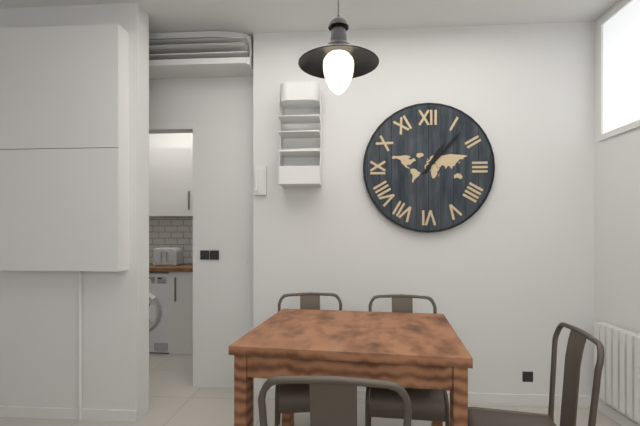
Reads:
{"hour": 1, "minute": 7}
